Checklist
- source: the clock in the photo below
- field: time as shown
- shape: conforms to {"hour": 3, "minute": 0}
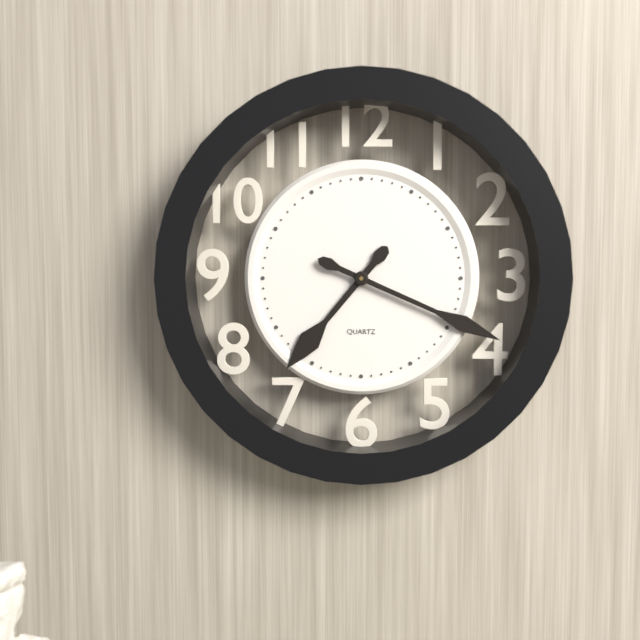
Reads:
{"hour": 7, "minute": 19}
